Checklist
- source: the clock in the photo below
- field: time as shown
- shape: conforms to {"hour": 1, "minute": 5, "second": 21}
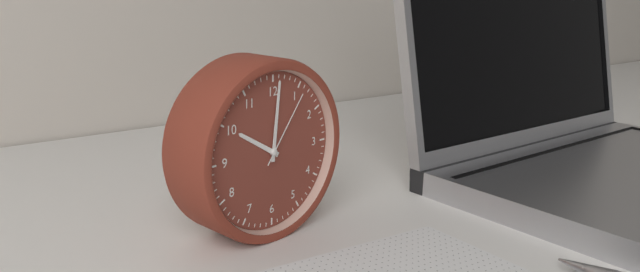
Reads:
{"hour": 10, "minute": 1, "second": 6}
